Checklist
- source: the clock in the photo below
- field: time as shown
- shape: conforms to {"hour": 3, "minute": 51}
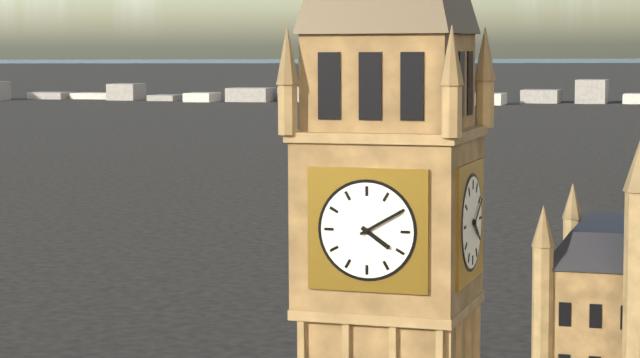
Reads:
{"hour": 4, "minute": 10}
